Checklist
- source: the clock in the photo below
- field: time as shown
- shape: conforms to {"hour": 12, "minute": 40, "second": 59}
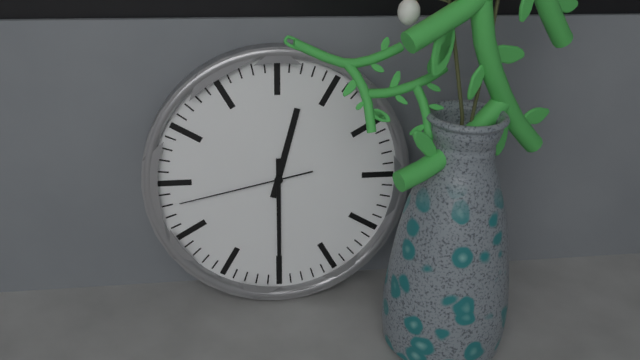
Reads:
{"hour": 12, "minute": 30, "second": 43}
